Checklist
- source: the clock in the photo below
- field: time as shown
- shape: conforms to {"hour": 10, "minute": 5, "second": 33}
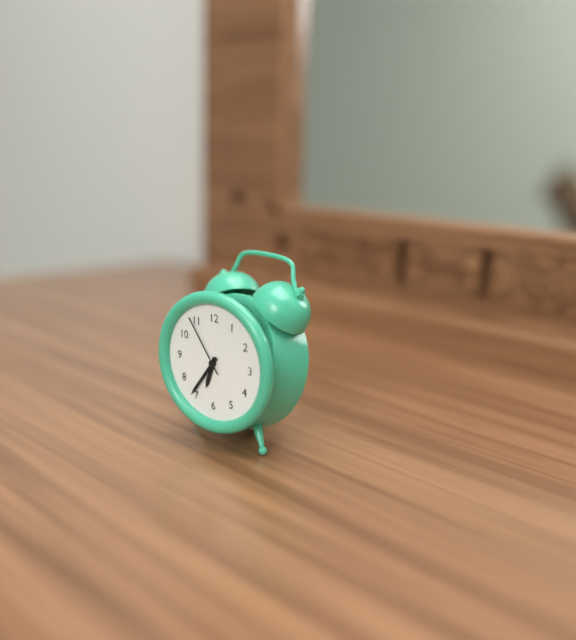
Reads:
{"hour": 6, "minute": 36, "second": 54}
